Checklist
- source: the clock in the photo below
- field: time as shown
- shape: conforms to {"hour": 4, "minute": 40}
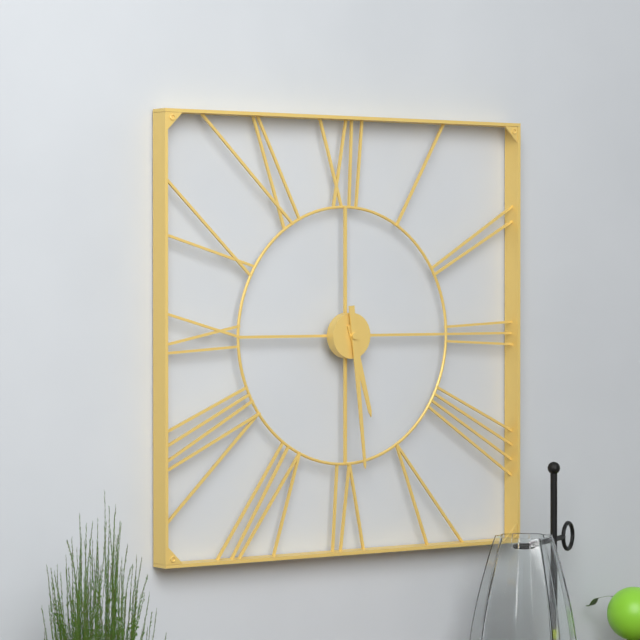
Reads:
{"hour": 5, "minute": 29}
